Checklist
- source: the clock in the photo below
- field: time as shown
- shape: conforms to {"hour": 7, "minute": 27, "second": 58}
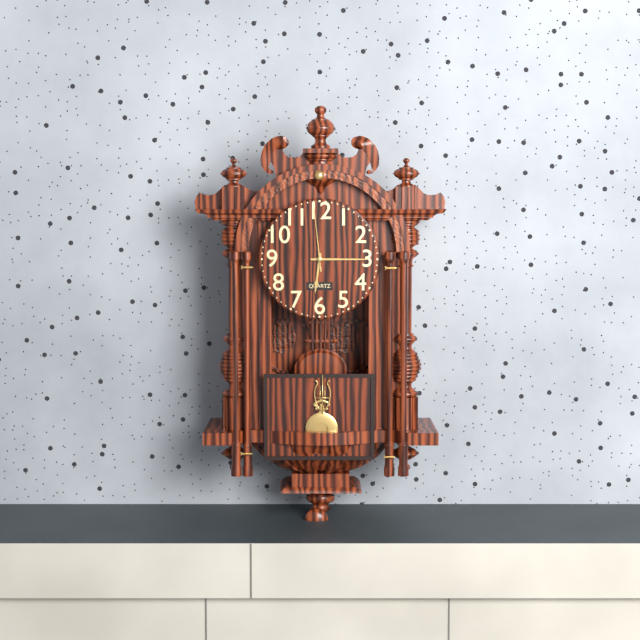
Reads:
{"hour": 6, "minute": 15, "second": 59}
